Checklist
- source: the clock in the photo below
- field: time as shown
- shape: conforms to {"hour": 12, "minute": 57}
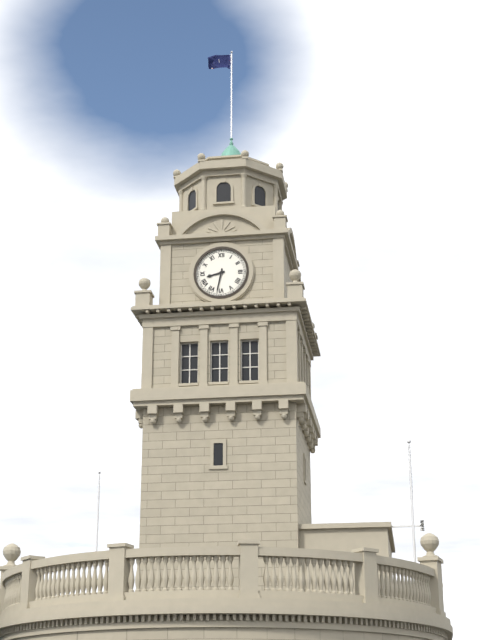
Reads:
{"hour": 8, "minute": 32}
